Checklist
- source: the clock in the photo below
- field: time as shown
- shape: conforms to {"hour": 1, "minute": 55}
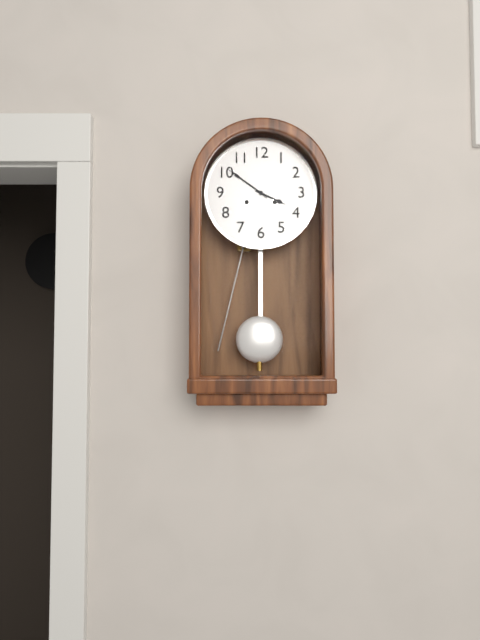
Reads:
{"hour": 3, "minute": 51}
